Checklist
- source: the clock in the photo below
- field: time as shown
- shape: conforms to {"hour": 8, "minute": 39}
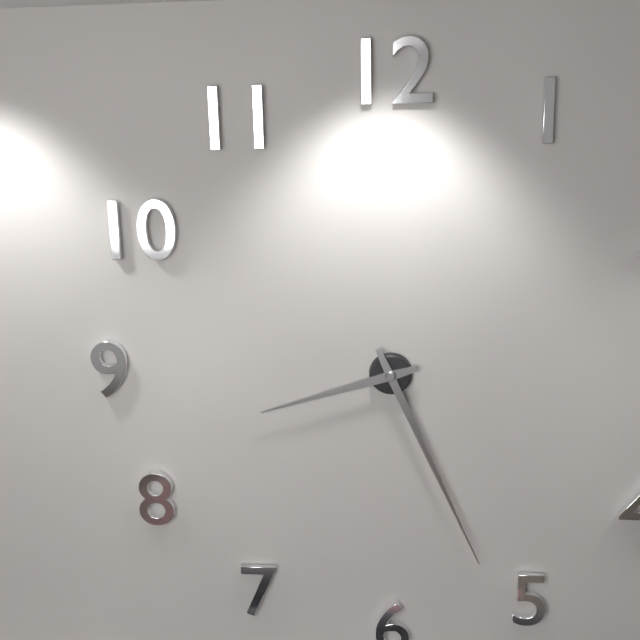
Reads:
{"hour": 8, "minute": 26}
